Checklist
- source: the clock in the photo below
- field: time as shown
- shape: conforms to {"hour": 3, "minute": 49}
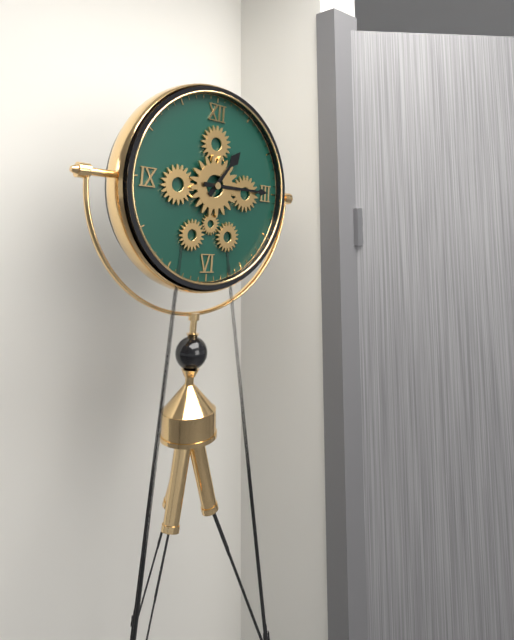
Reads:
{"hour": 1, "minute": 15}
